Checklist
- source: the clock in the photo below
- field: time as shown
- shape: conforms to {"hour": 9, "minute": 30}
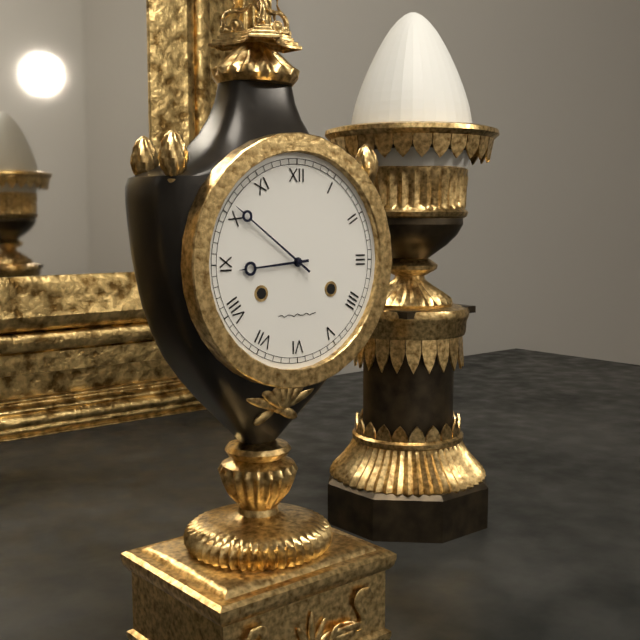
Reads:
{"hour": 8, "minute": 51}
